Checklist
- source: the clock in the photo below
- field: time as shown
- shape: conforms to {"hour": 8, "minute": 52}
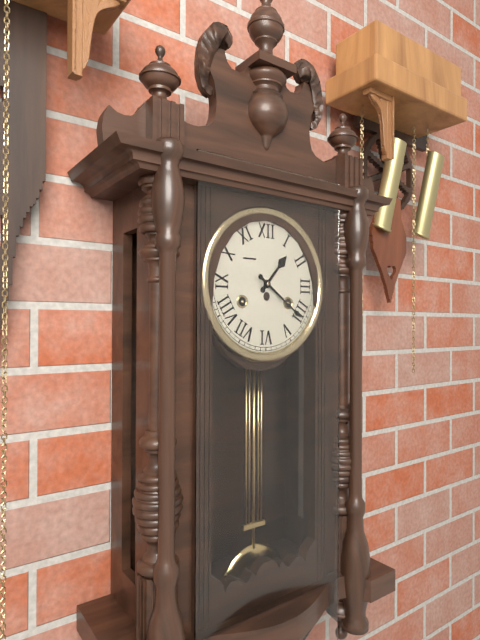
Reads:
{"hour": 1, "minute": 21}
